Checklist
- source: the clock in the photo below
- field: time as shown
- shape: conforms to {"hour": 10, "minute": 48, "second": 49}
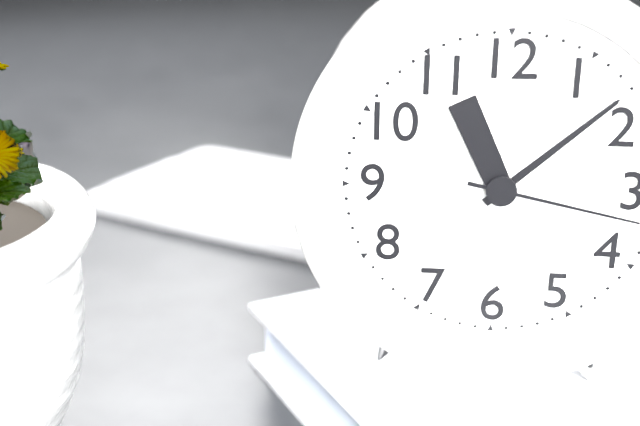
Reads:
{"hour": 11, "minute": 8, "second": 17}
